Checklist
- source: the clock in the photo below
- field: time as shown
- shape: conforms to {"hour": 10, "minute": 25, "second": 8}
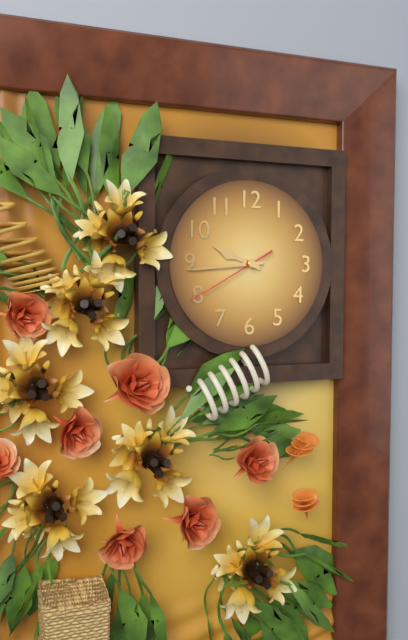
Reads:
{"hour": 9, "minute": 44, "second": 40}
